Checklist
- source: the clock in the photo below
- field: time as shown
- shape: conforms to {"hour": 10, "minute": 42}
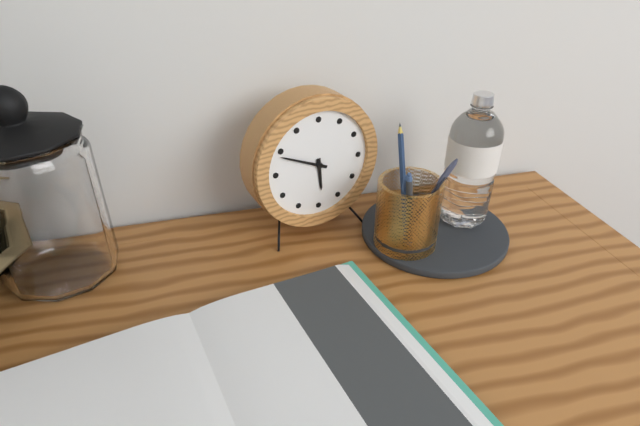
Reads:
{"hour": 5, "minute": 49}
